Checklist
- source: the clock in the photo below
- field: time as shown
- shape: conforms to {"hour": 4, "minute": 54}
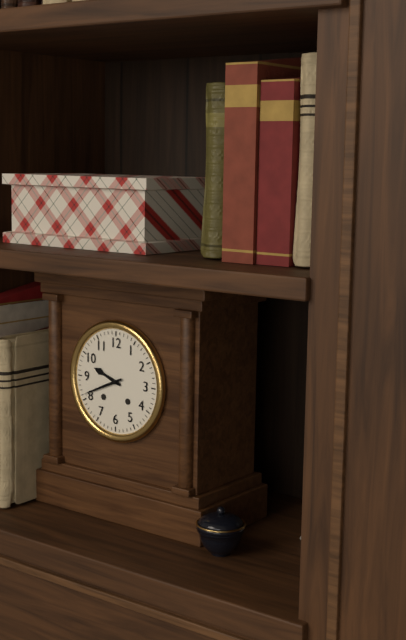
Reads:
{"hour": 9, "minute": 41}
